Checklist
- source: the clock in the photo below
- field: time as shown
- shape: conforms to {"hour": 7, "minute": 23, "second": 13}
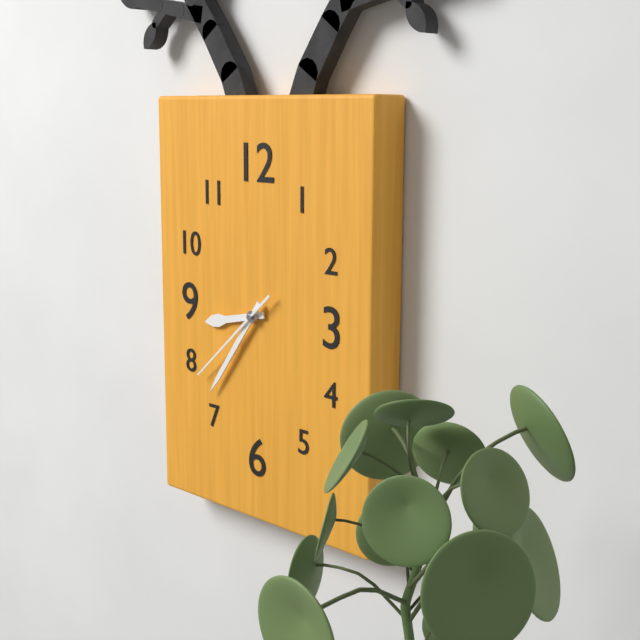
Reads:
{"hour": 8, "minute": 36, "second": 38}
